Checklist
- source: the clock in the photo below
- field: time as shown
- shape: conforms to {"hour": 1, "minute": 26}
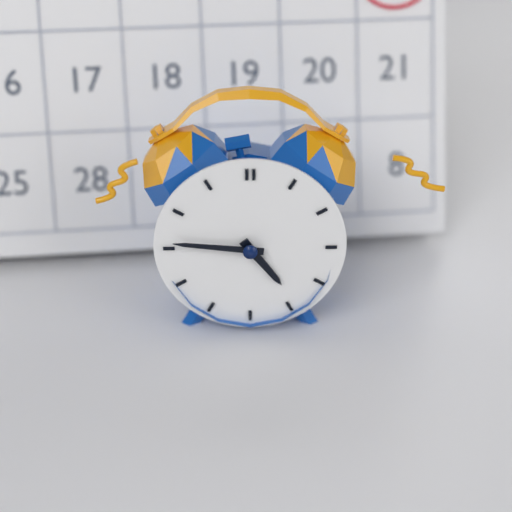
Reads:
{"hour": 4, "minute": 46}
